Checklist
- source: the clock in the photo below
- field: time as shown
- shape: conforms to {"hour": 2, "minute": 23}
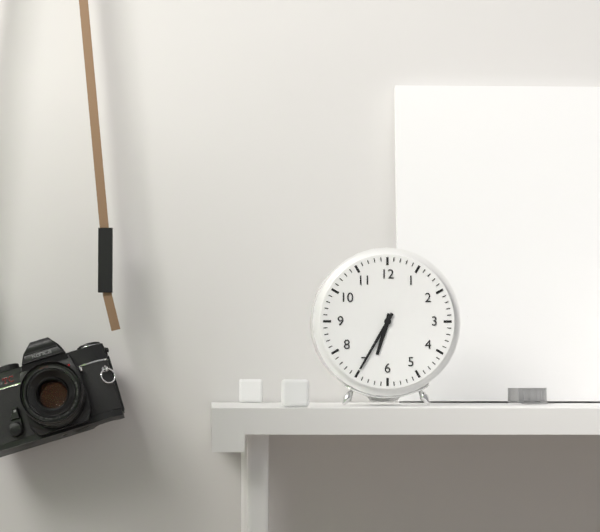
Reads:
{"hour": 6, "minute": 35}
